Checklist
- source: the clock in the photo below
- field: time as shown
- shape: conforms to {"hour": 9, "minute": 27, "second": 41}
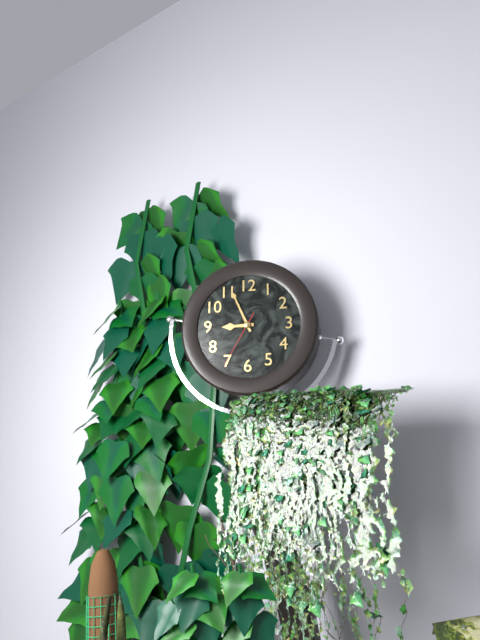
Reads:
{"hour": 8, "minute": 56, "second": 35}
